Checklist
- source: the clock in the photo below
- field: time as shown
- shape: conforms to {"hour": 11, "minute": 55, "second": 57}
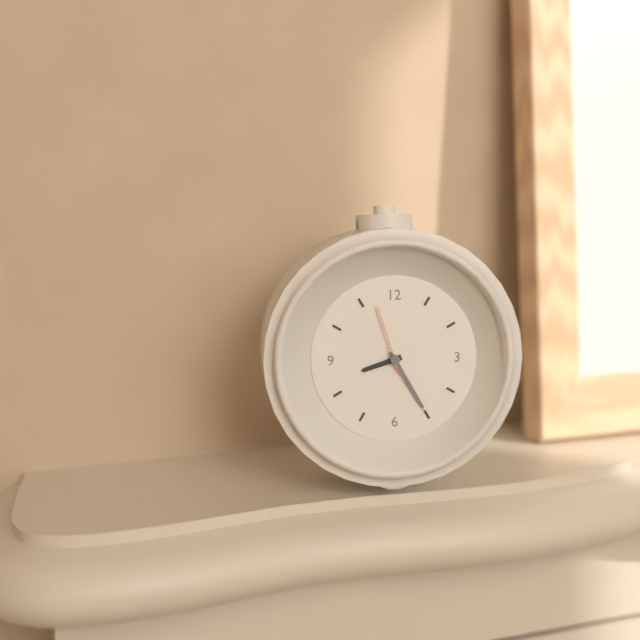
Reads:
{"hour": 8, "minute": 25, "second": 57}
